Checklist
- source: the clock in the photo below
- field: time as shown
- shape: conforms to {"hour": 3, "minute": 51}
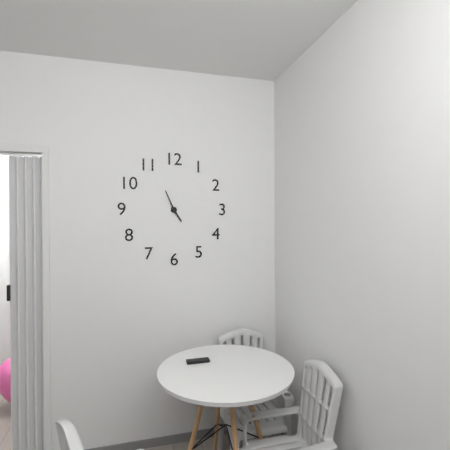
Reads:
{"hour": 4, "minute": 56}
